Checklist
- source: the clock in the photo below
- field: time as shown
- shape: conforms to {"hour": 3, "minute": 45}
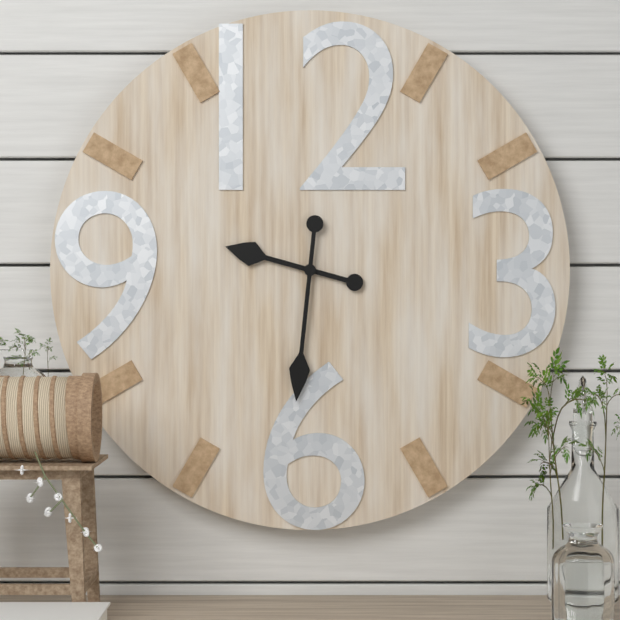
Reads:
{"hour": 9, "minute": 31}
